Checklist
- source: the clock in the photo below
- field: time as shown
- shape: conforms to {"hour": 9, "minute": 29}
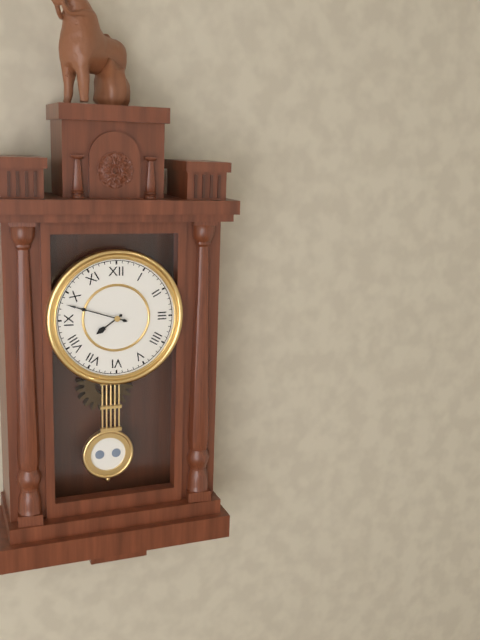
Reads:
{"hour": 7, "minute": 48}
